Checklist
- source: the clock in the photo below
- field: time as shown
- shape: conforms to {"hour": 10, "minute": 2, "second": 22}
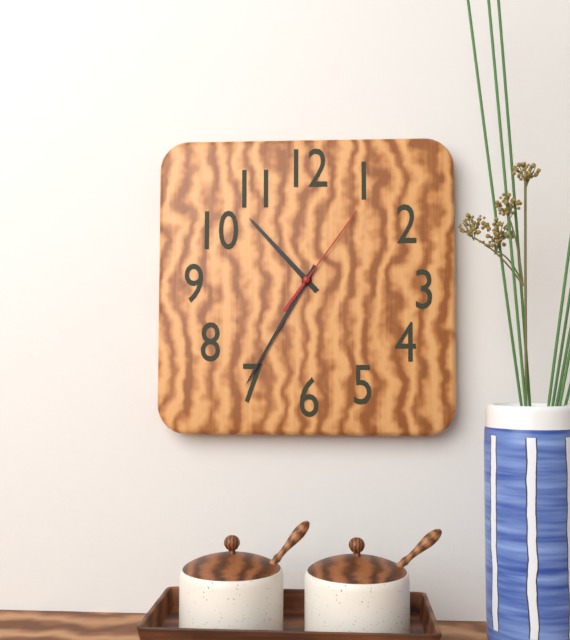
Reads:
{"hour": 10, "minute": 35, "second": 6}
